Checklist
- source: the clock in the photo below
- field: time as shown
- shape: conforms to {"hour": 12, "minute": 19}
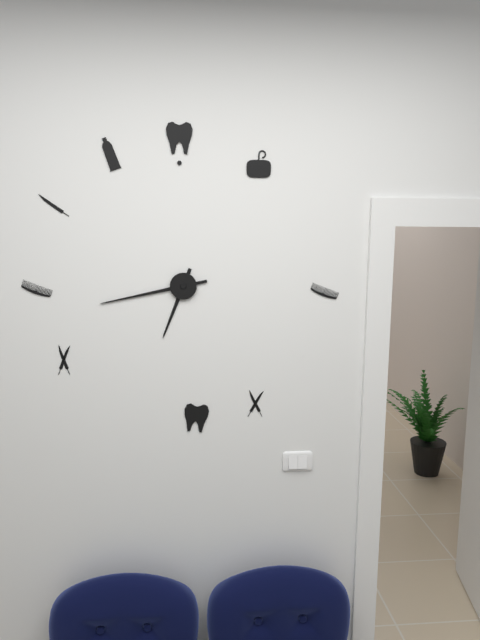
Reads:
{"hour": 6, "minute": 43}
